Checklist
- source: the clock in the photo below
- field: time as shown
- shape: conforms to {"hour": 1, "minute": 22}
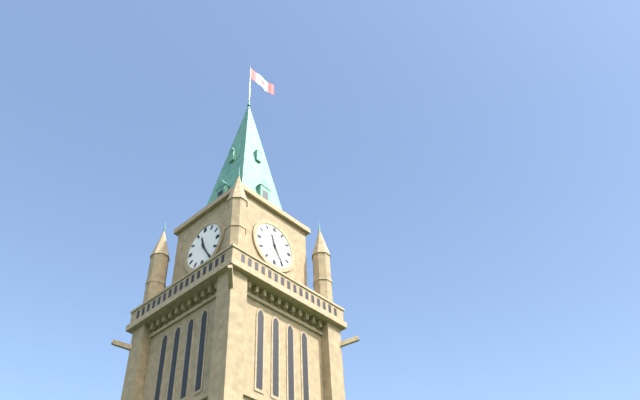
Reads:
{"hour": 11, "minute": 25}
